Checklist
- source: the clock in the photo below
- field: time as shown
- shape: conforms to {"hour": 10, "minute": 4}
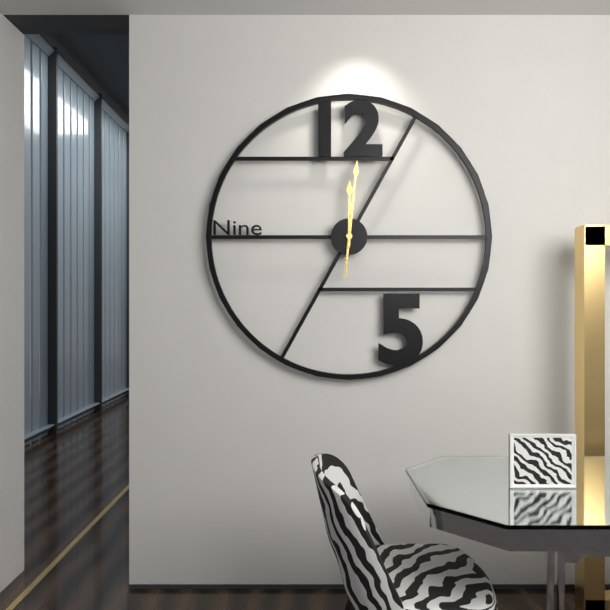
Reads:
{"hour": 12, "minute": 1}
